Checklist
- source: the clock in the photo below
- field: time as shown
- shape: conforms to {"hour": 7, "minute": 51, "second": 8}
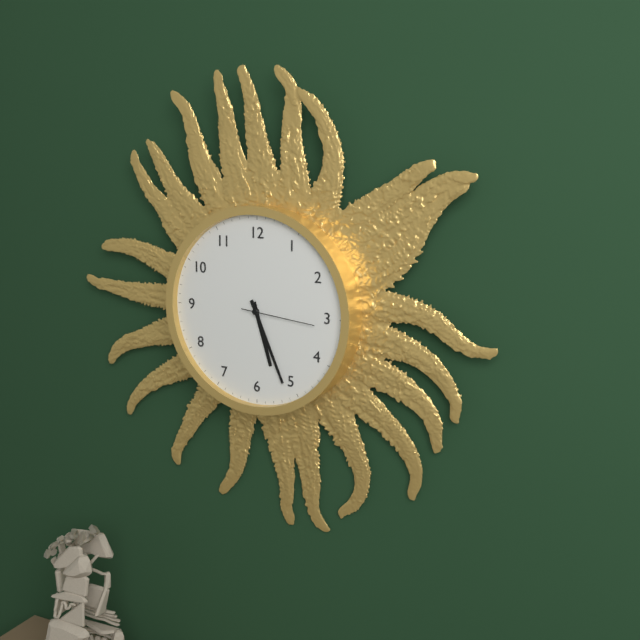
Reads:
{"hour": 5, "minute": 26, "second": 16}
